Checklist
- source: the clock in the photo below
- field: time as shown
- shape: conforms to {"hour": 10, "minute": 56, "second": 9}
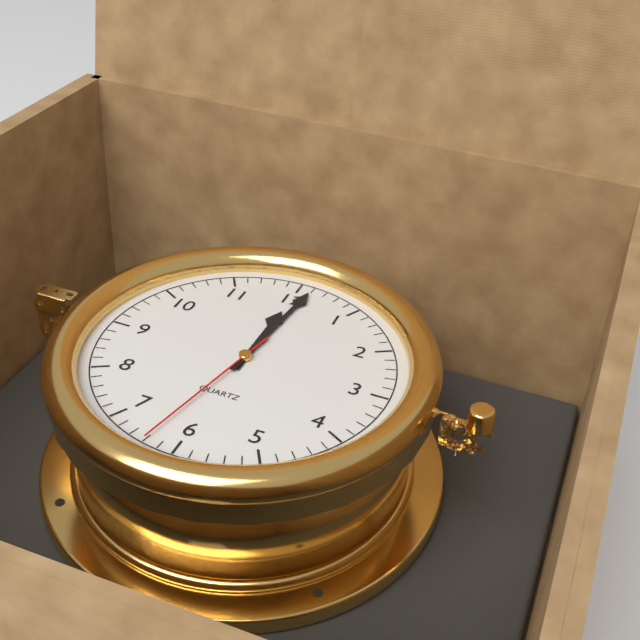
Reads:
{"hour": 12, "minute": 1, "second": 32}
